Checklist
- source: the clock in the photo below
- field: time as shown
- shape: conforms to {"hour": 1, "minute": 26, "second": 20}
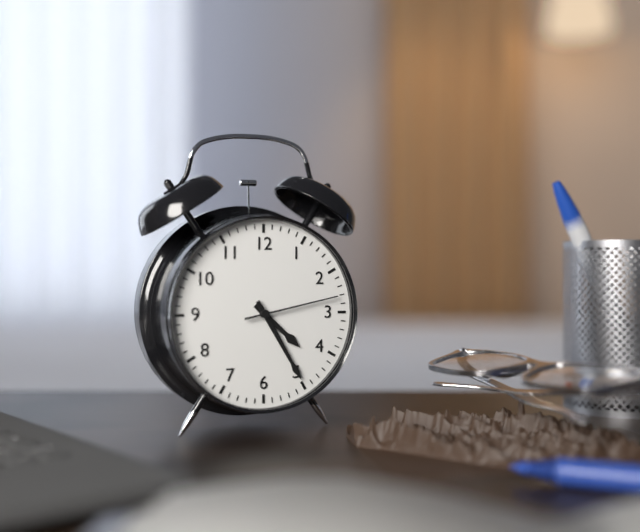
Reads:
{"hour": 4, "minute": 25, "second": 13}
